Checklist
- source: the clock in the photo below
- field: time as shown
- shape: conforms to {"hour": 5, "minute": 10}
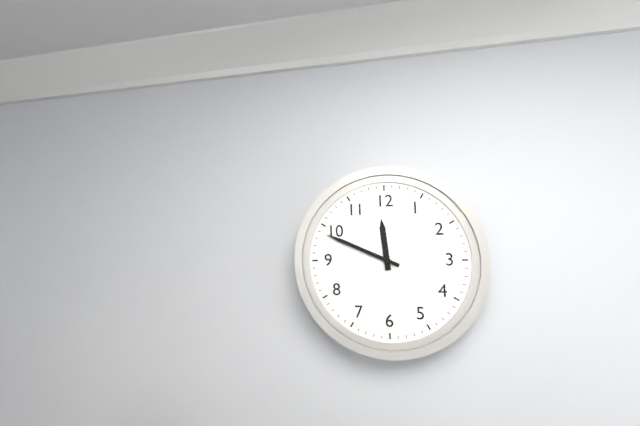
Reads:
{"hour": 11, "minute": 49}
